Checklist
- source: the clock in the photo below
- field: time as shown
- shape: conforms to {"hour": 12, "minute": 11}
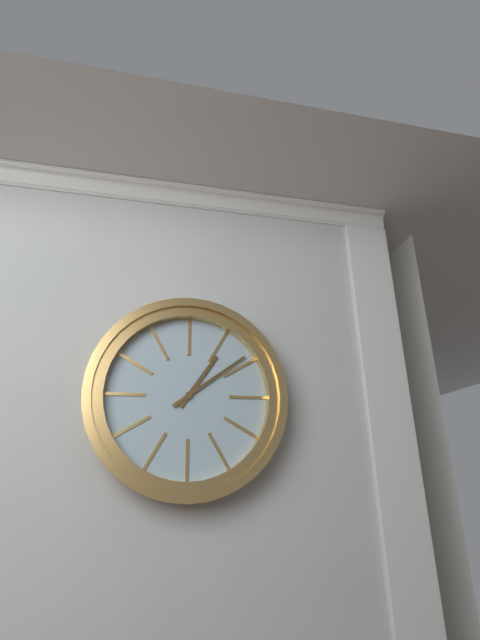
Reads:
{"hour": 1, "minute": 9}
